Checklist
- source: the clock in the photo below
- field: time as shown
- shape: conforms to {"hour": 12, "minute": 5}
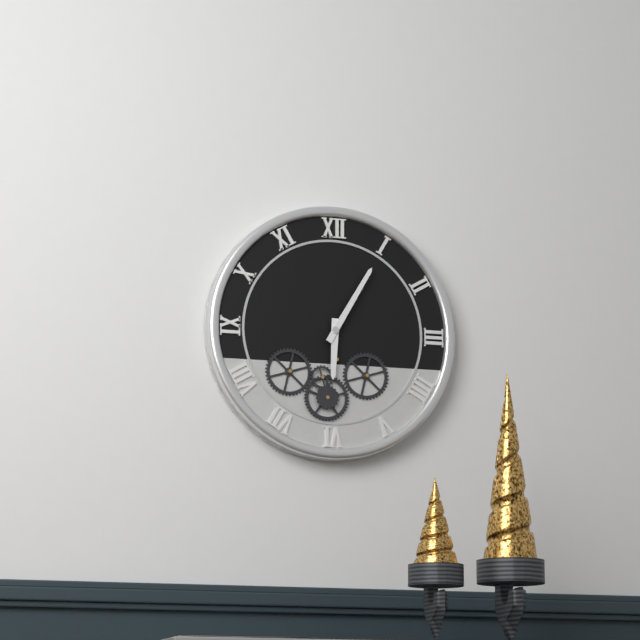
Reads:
{"hour": 6, "minute": 5}
